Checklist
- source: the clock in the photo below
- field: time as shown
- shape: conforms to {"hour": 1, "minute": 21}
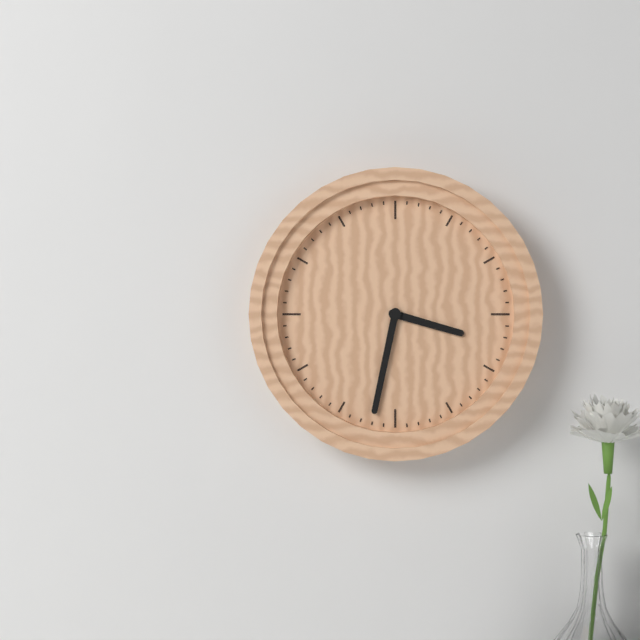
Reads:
{"hour": 3, "minute": 32}
